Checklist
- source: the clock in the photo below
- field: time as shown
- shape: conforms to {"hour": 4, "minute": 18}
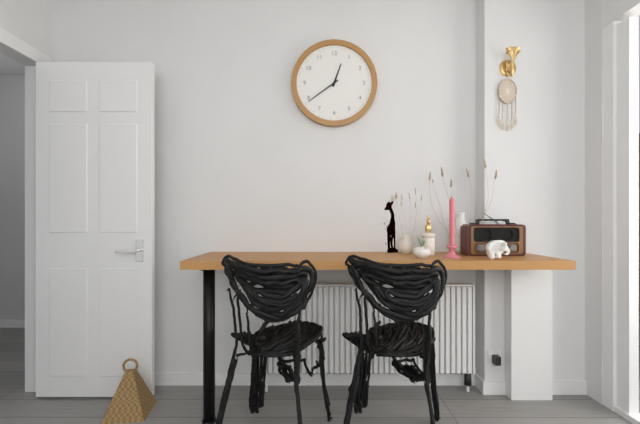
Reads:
{"hour": 12, "minute": 39}
